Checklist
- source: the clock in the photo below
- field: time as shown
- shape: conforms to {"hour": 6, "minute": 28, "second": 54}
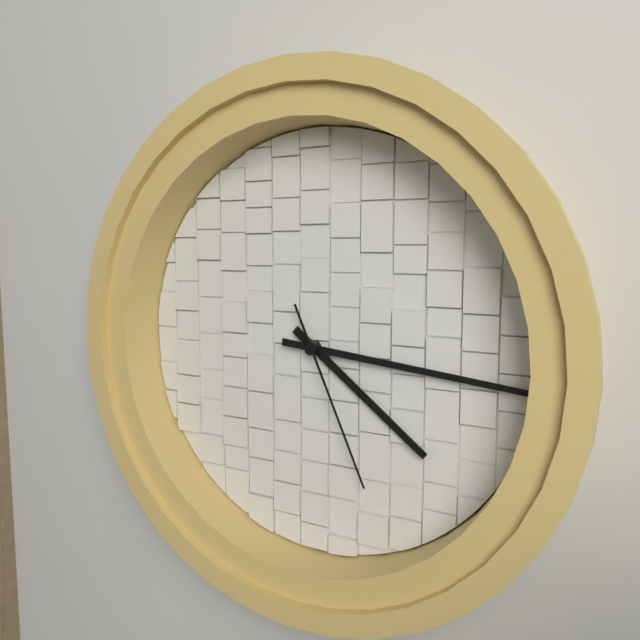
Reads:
{"hour": 4, "minute": 16, "second": 26}
